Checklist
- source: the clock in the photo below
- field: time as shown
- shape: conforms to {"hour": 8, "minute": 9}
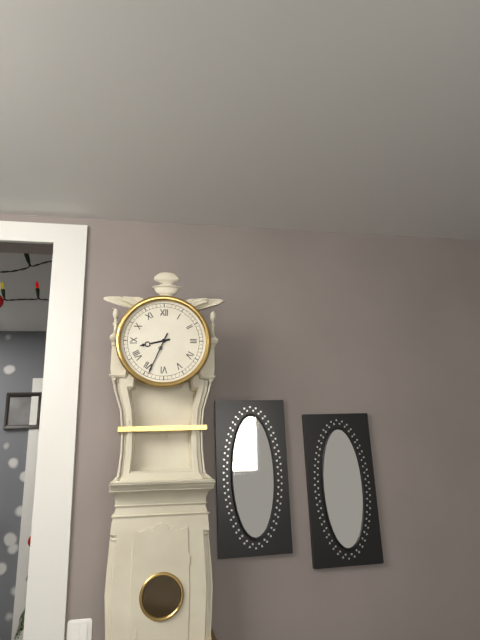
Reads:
{"hour": 8, "minute": 34}
